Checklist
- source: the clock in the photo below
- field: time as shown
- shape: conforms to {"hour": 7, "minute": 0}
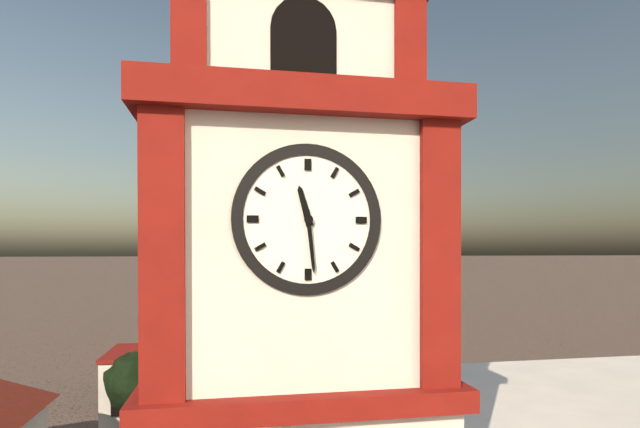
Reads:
{"hour": 11, "minute": 29}
